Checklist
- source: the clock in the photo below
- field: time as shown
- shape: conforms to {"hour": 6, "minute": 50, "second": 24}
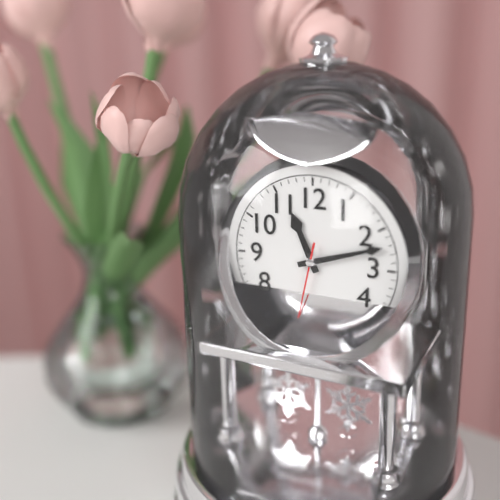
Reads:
{"hour": 11, "minute": 12, "second": 32}
